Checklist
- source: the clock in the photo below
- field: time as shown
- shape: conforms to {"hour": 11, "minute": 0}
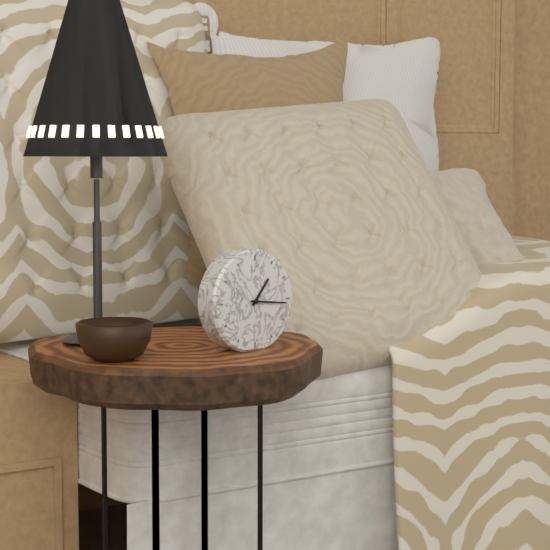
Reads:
{"hour": 1, "minute": 16}
